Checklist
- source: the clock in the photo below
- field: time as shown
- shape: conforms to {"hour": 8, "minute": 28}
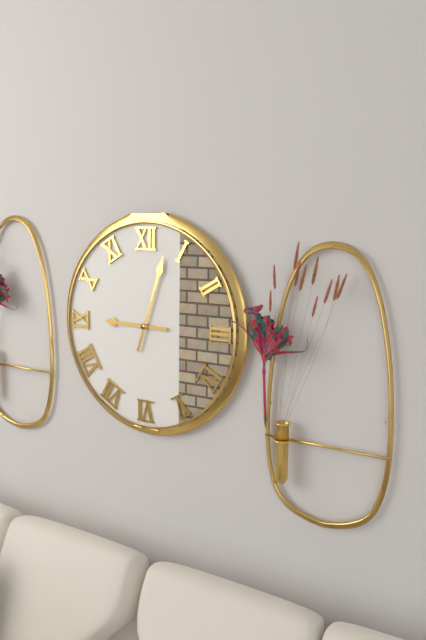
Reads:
{"hour": 9, "minute": 3}
